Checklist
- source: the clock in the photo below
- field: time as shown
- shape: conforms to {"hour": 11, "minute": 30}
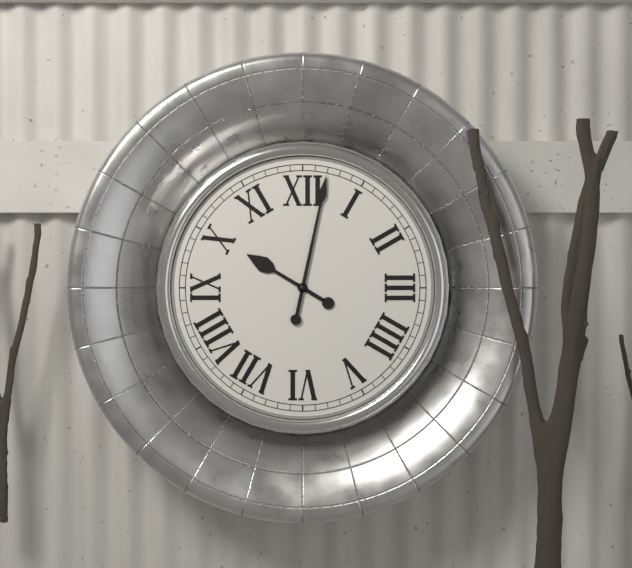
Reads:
{"hour": 10, "minute": 2}
